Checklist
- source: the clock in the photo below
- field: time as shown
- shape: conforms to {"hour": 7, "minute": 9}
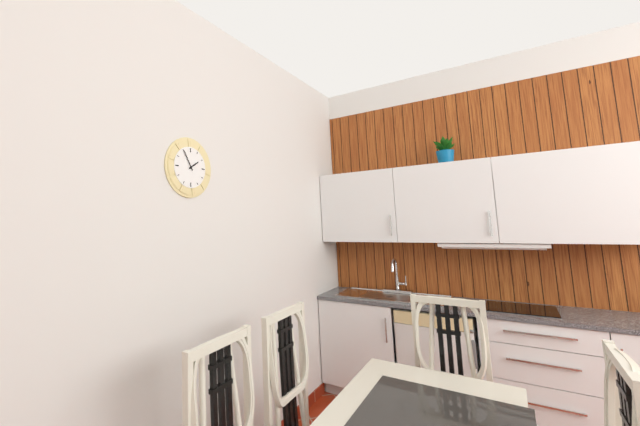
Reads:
{"hour": 1, "minute": 55}
